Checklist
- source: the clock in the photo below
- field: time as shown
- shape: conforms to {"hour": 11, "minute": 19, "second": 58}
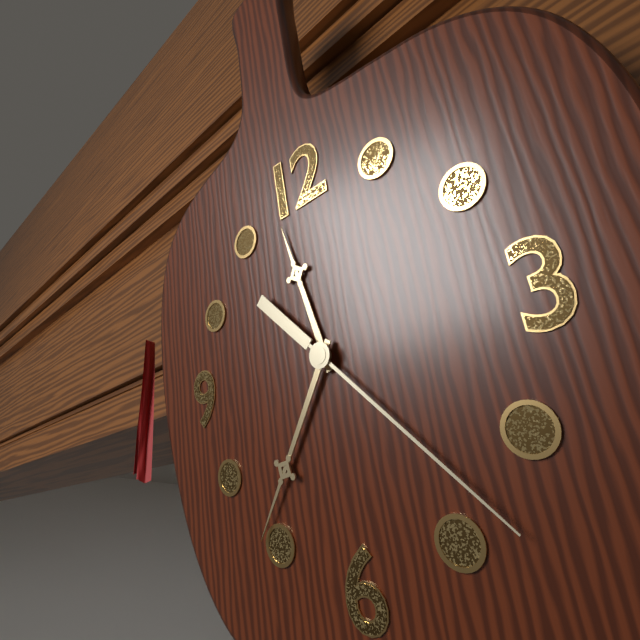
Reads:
{"hour": 11, "minute": 36, "second": 23}
